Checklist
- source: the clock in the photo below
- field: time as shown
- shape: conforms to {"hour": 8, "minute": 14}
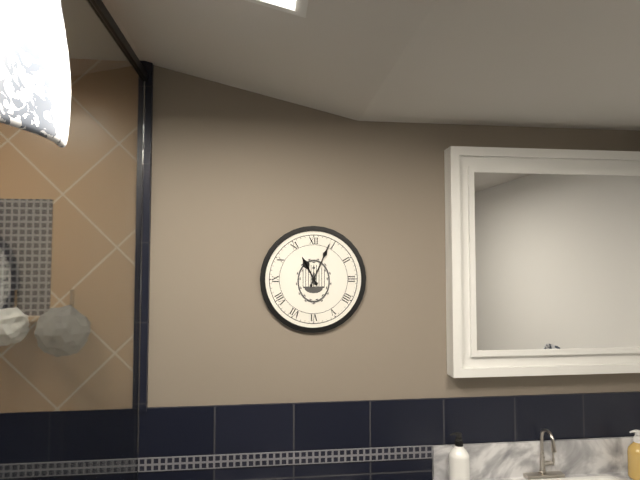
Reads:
{"hour": 11, "minute": 4}
